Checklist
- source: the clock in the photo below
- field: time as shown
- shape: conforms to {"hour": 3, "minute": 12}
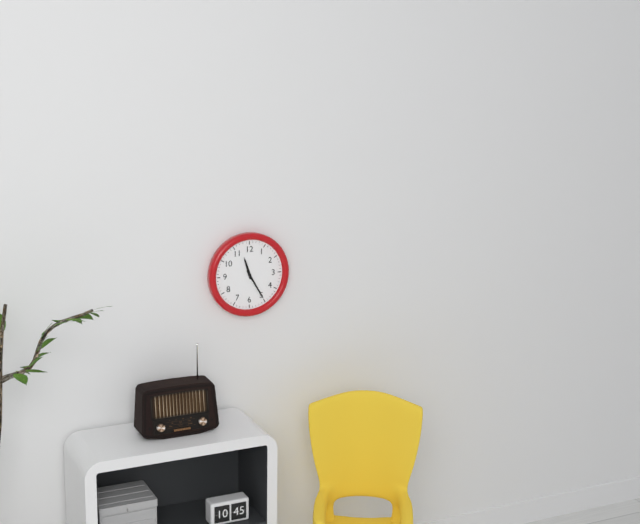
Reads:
{"hour": 11, "minute": 25}
